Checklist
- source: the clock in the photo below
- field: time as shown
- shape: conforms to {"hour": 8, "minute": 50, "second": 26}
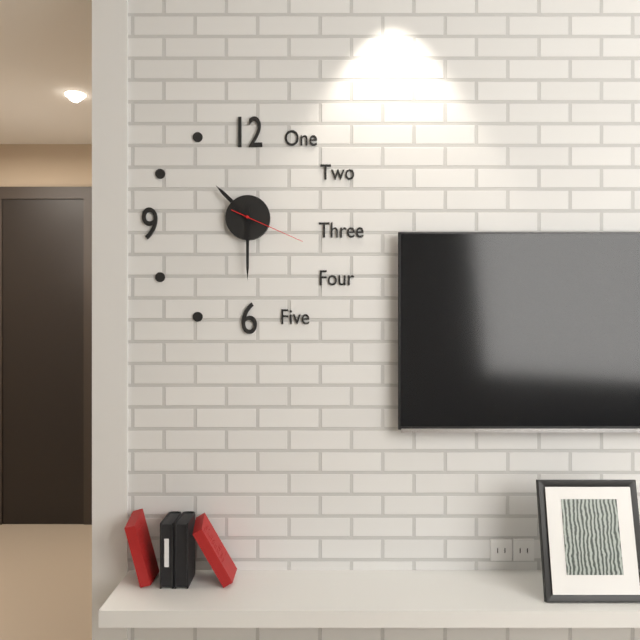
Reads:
{"hour": 10, "minute": 30, "second": 19}
